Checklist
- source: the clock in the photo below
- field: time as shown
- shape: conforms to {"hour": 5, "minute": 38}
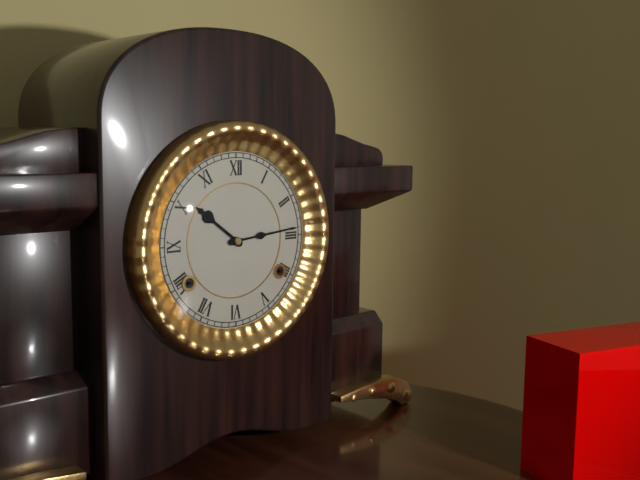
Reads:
{"hour": 10, "minute": 14}
